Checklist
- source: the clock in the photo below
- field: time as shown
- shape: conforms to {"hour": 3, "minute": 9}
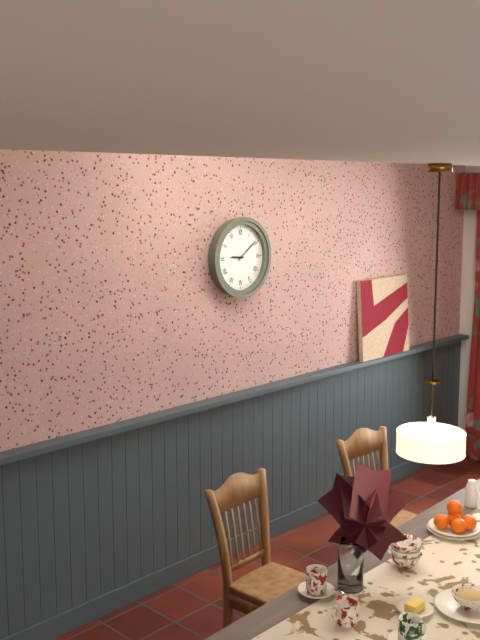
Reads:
{"hour": 9, "minute": 9}
